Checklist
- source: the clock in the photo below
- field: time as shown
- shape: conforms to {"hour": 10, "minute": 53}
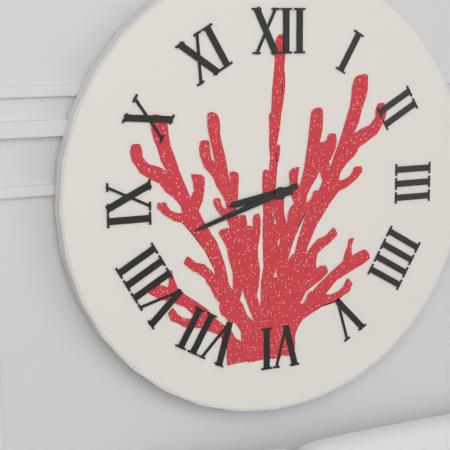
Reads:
{"hour": 8, "minute": 42}
